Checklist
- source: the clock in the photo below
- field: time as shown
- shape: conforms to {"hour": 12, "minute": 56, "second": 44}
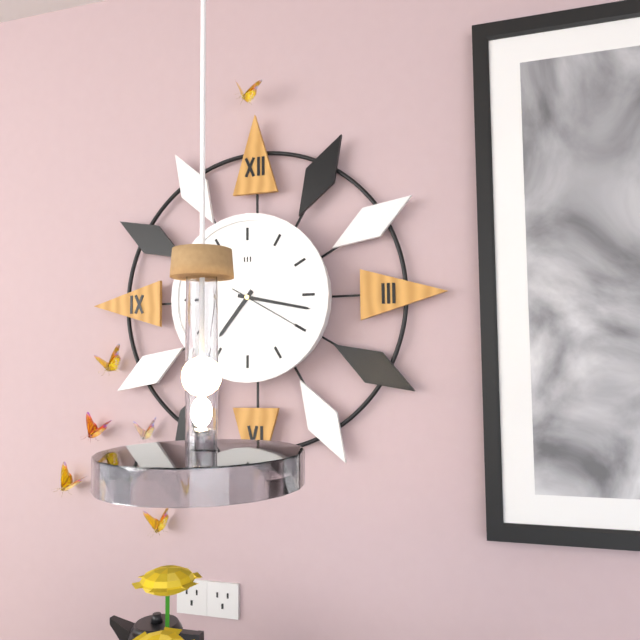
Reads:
{"hour": 7, "minute": 17, "second": 20}
